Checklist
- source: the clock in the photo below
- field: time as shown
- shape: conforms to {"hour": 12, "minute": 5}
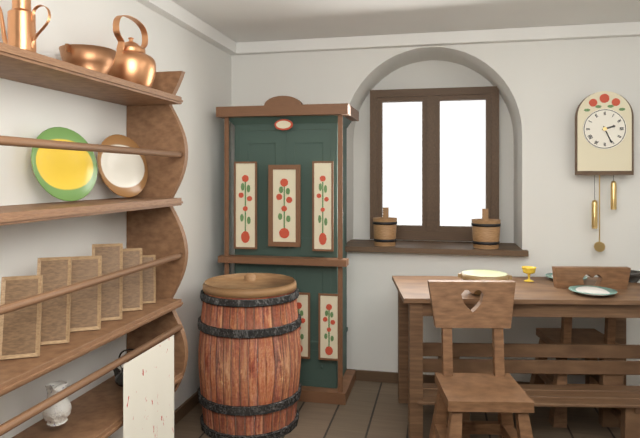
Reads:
{"hour": 2, "minute": 26}
